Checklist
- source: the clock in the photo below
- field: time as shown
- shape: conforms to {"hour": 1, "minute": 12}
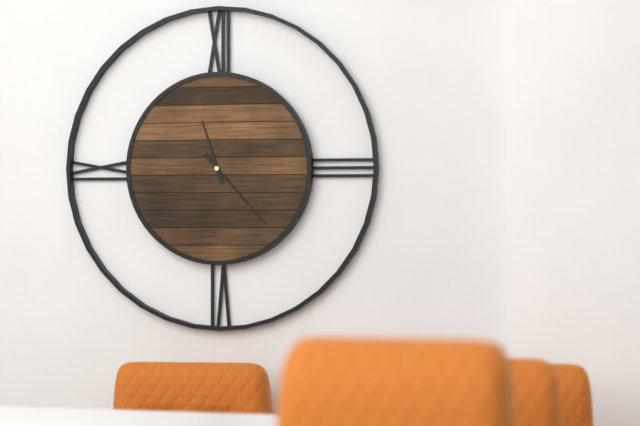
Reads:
{"hour": 11, "minute": 23}
